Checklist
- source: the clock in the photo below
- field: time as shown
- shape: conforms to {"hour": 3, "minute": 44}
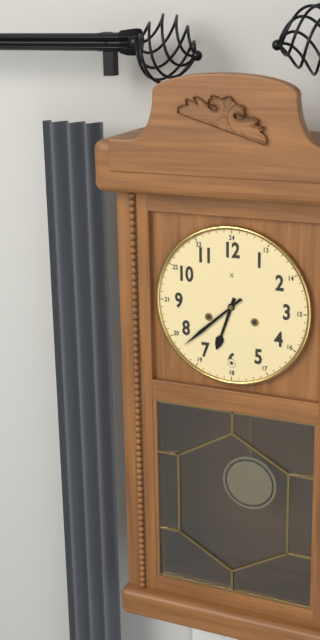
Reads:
{"hour": 6, "minute": 38}
